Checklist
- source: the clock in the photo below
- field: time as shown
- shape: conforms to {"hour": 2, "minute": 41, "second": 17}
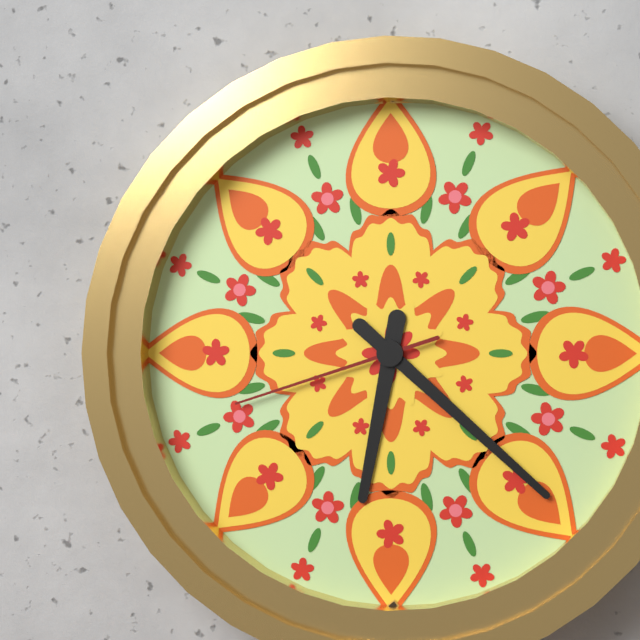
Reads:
{"hour": 6, "minute": 22, "second": 42}
